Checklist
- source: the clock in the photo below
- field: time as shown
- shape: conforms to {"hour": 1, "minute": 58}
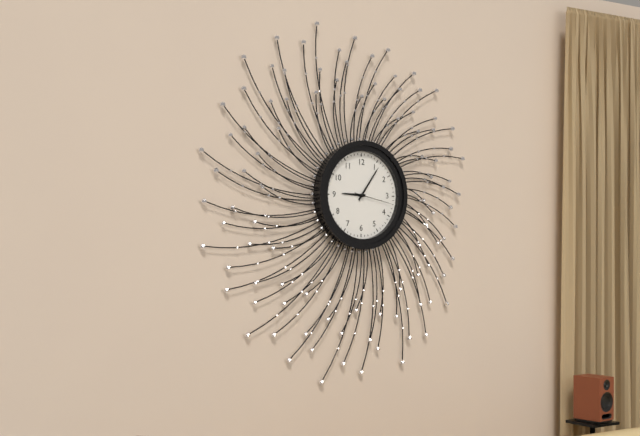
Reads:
{"hour": 9, "minute": 6}
